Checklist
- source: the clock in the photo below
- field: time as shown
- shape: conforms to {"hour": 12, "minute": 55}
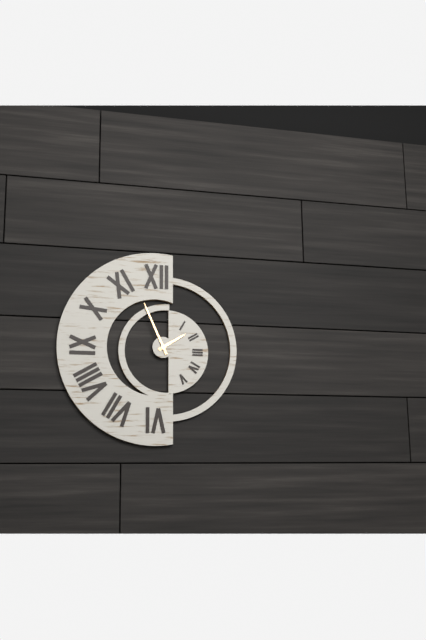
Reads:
{"hour": 1, "minute": 56}
